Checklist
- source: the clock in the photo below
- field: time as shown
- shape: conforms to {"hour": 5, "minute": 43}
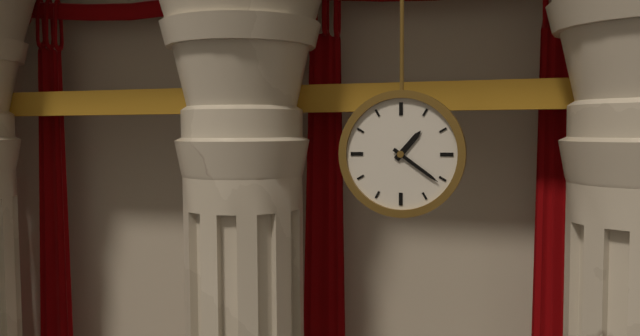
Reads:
{"hour": 1, "minute": 21}
